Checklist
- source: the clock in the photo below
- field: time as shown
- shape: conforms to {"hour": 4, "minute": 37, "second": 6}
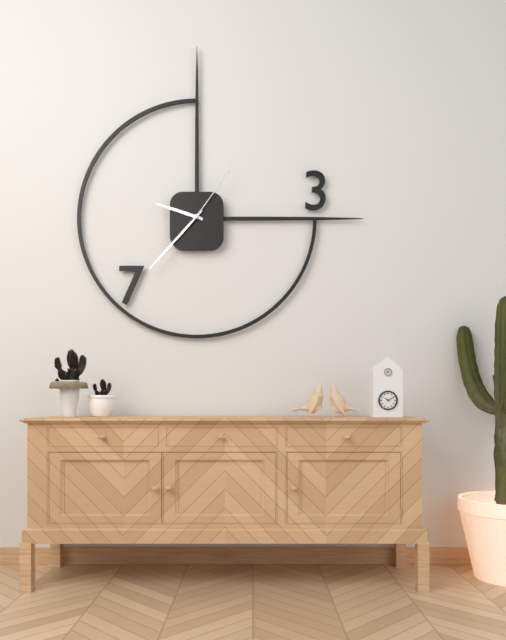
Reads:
{"hour": 9, "minute": 37, "second": 6}
